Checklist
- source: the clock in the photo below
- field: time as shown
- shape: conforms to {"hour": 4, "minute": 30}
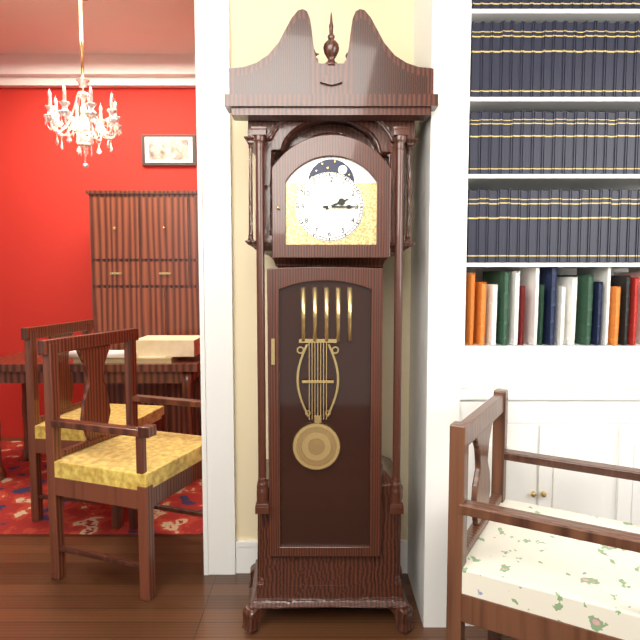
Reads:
{"hour": 2, "minute": 15}
